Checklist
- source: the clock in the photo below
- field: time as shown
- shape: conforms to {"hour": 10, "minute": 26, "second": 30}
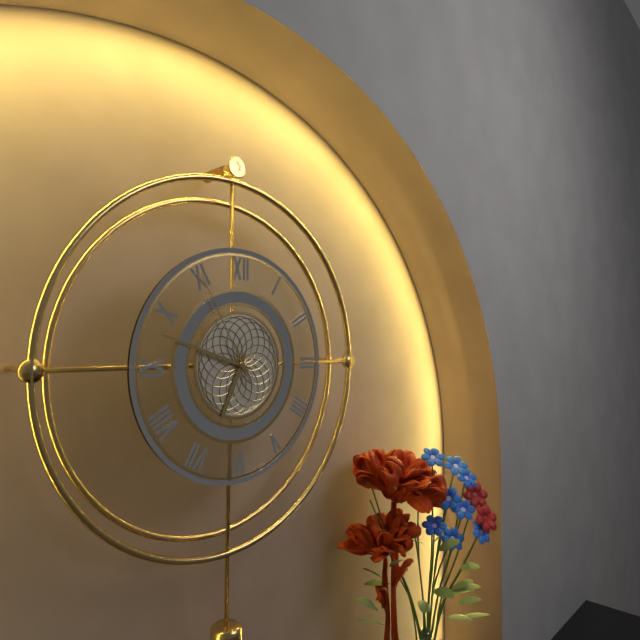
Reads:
{"hour": 6, "minute": 48, "second": 55}
